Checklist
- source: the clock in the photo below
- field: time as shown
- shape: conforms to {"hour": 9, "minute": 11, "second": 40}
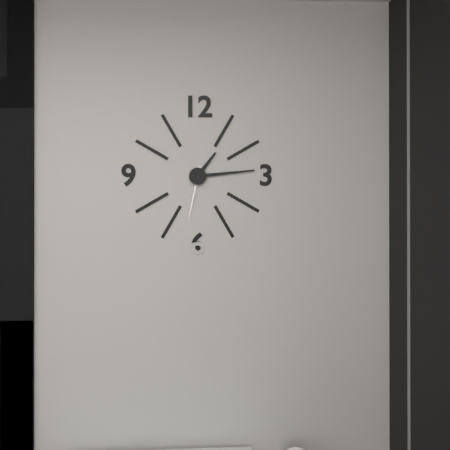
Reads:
{"hour": 1, "minute": 14, "second": 32}
